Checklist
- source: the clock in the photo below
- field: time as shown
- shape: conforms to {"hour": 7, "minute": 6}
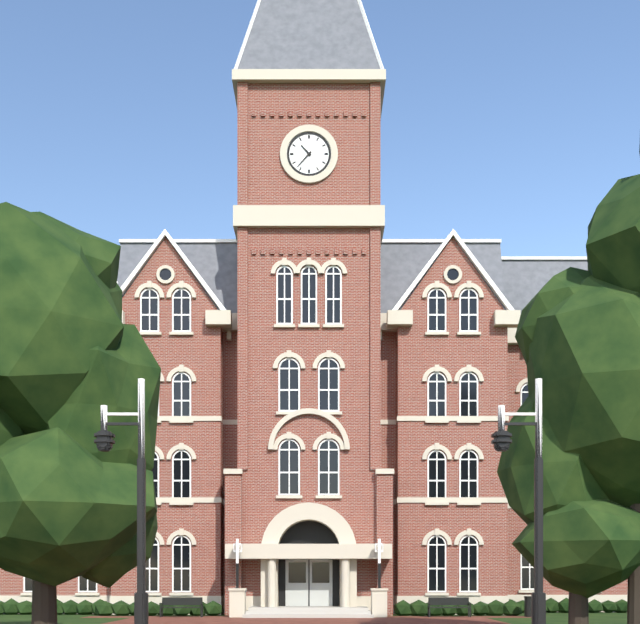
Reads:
{"hour": 10, "minute": 37}
